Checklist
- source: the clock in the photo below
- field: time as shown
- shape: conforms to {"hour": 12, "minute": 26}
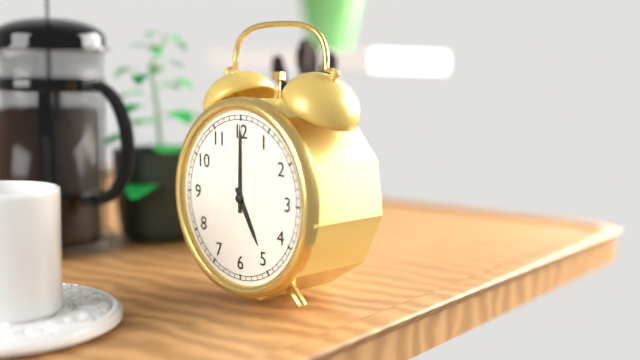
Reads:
{"hour": 5, "minute": 0}
